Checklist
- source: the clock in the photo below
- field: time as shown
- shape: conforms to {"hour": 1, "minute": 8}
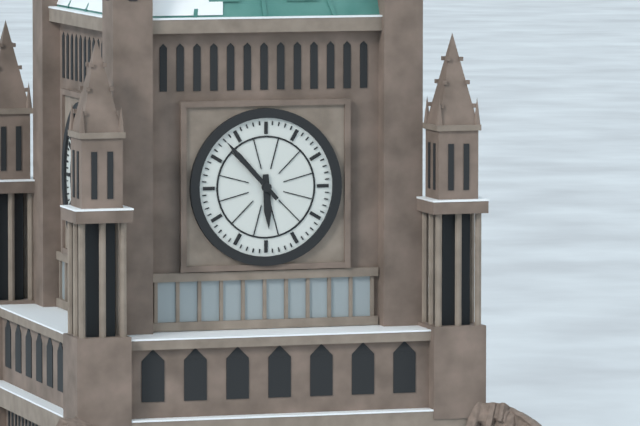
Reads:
{"hour": 5, "minute": 53}
